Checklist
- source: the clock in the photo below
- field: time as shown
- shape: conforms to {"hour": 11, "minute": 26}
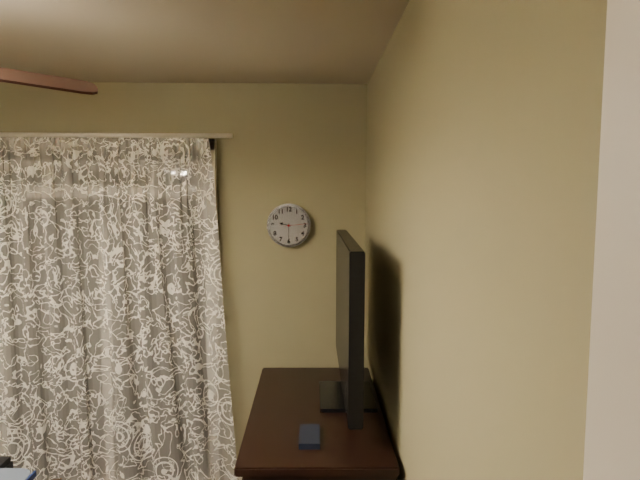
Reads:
{"hour": 9, "minute": 30}
